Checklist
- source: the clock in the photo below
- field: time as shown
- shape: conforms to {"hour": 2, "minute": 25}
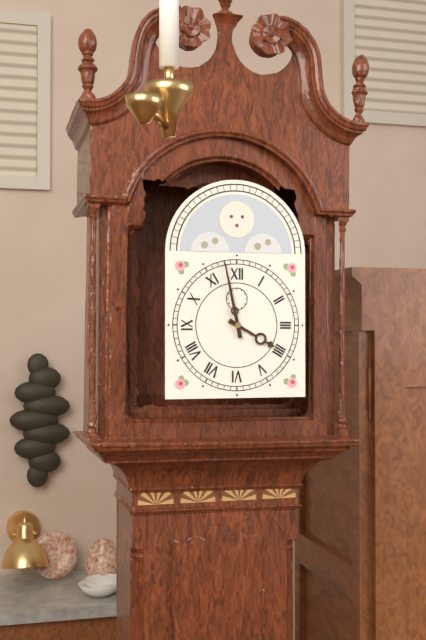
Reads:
{"hour": 3, "minute": 58}
